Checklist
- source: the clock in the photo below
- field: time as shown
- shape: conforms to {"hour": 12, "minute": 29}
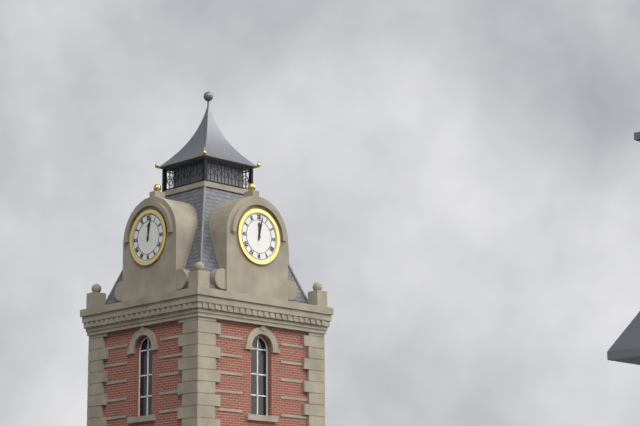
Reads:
{"hour": 12, "minute": 2}
